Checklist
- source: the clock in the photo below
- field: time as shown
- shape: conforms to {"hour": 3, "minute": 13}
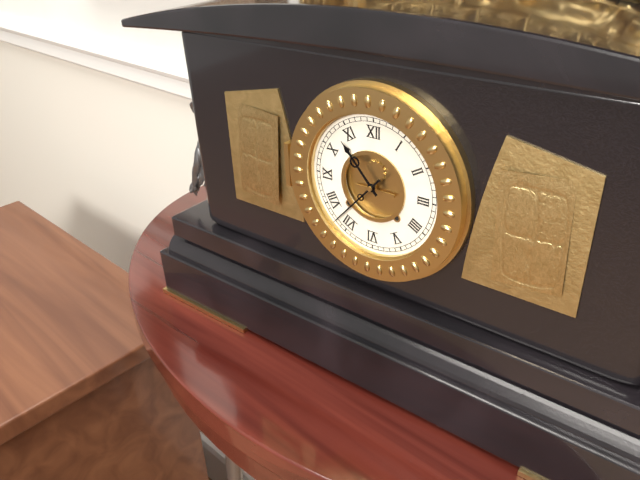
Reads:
{"hour": 10, "minute": 37}
